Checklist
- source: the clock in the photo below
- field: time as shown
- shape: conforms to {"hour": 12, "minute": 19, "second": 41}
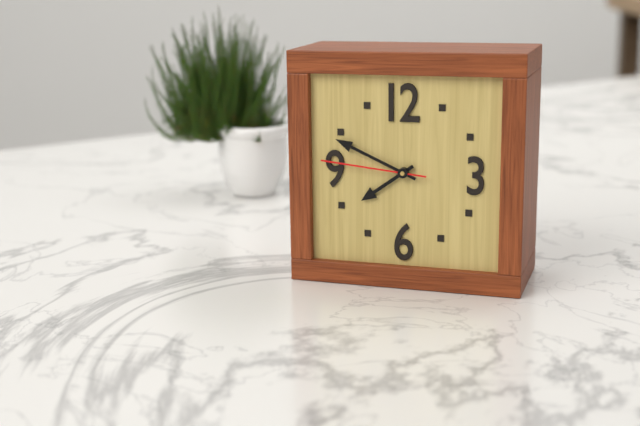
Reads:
{"hour": 7, "minute": 49, "second": 46}
